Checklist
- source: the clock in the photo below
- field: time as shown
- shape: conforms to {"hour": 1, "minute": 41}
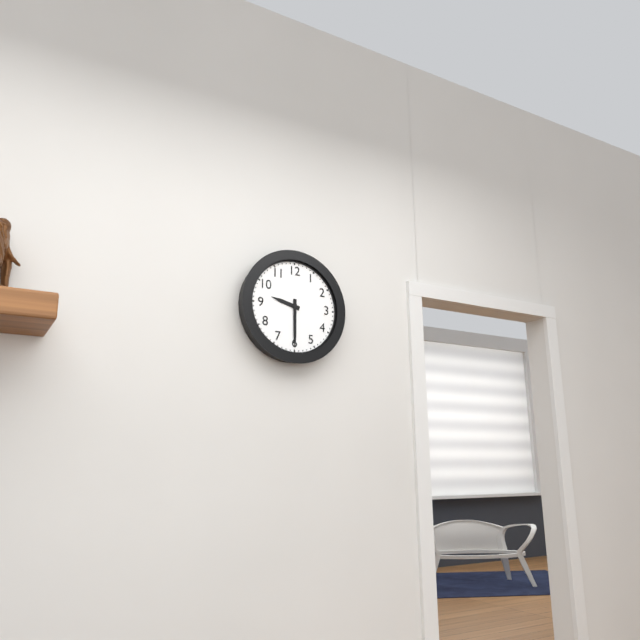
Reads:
{"hour": 9, "minute": 30}
